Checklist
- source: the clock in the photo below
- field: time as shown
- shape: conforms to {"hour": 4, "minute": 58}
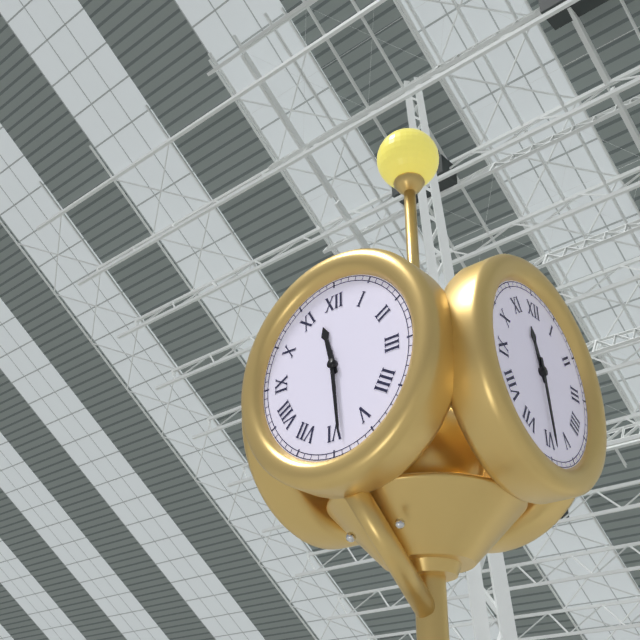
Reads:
{"hour": 11, "minute": 29}
